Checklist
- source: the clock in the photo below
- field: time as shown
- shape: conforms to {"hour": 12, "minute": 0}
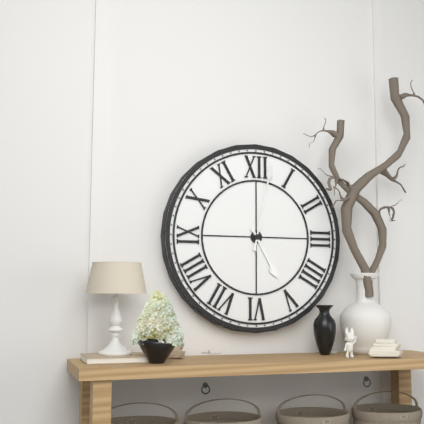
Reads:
{"hour": 5, "minute": 2}
